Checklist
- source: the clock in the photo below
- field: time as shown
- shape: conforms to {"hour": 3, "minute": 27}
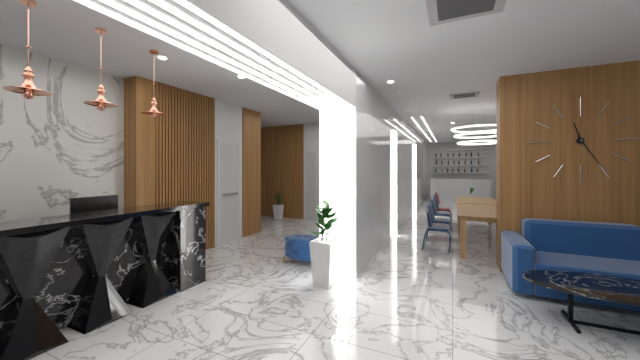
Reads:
{"hour": 11, "minute": 25}
